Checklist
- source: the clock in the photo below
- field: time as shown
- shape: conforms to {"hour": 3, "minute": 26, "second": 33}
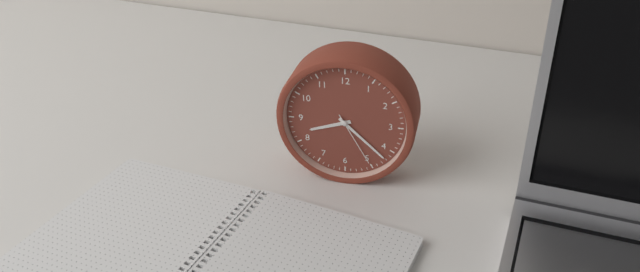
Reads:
{"hour": 8, "minute": 22, "second": 25}
